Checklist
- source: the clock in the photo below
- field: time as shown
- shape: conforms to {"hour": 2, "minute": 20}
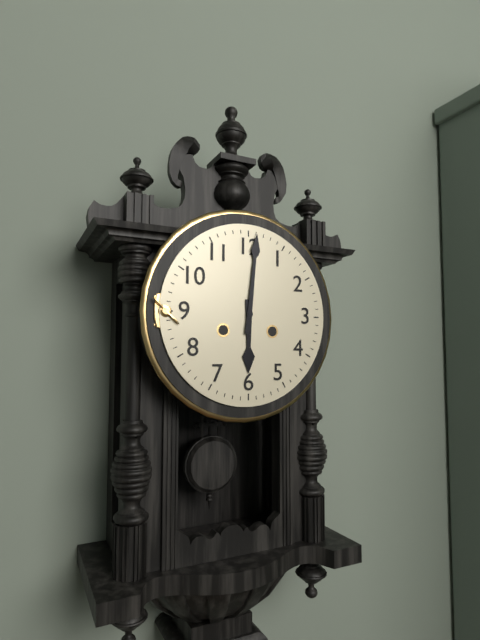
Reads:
{"hour": 6, "minute": 1}
